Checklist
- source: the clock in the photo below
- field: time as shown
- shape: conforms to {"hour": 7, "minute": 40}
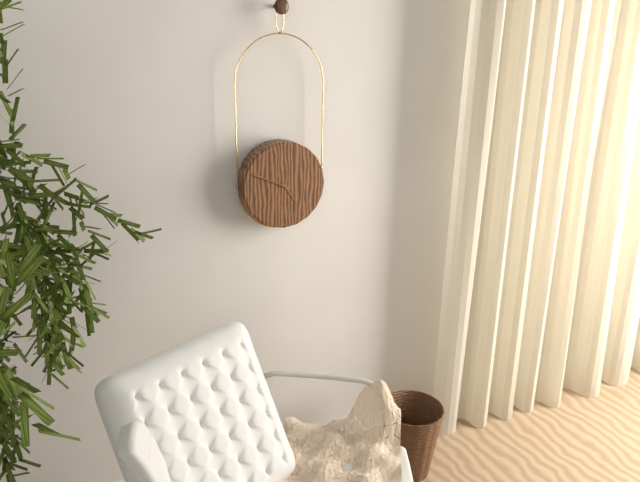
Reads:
{"hour": 4, "minute": 49}
